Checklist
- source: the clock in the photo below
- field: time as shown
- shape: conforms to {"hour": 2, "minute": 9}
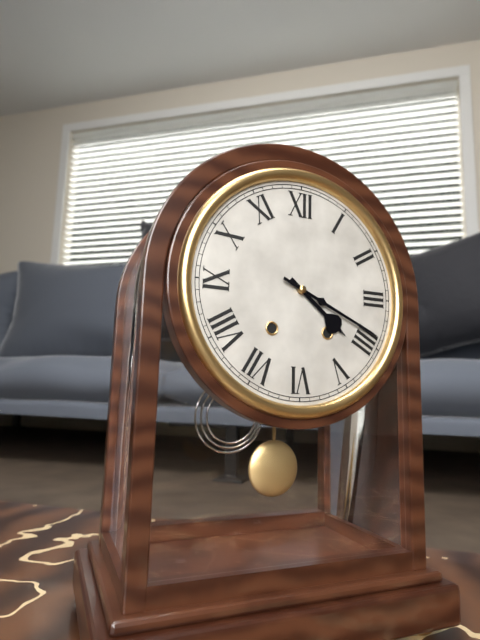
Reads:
{"hour": 4, "minute": 19}
